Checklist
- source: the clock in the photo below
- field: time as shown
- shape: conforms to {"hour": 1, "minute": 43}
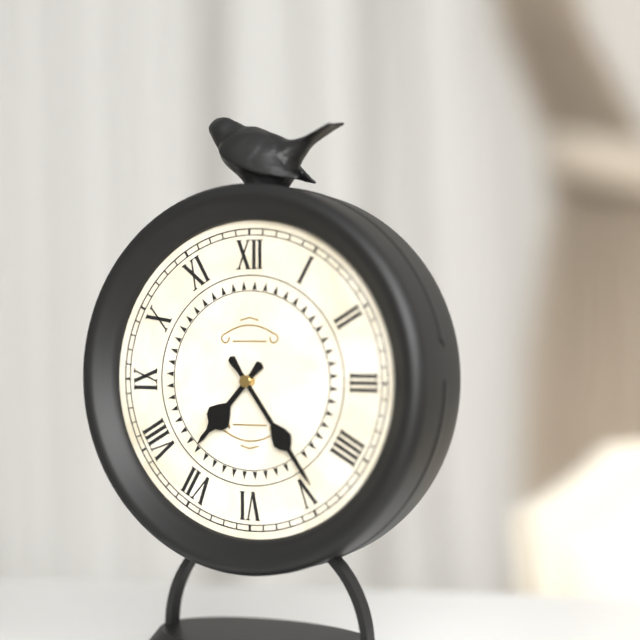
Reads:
{"hour": 7, "minute": 24}
